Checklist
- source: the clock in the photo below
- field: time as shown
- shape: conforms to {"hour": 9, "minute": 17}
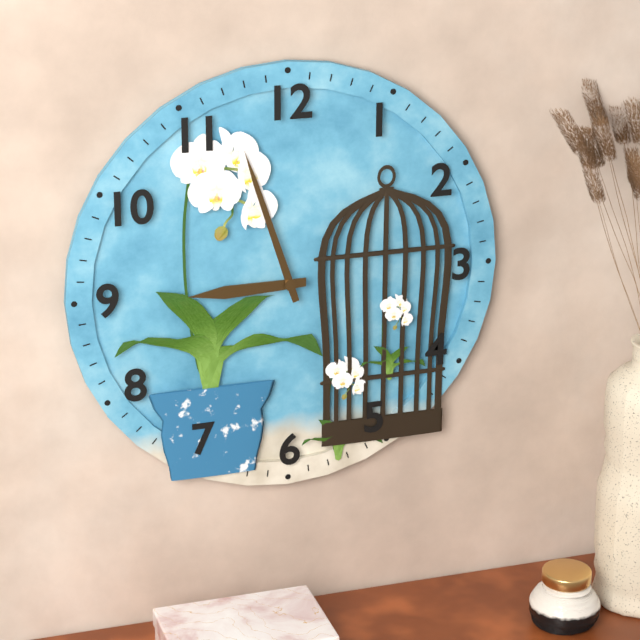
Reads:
{"hour": 8, "minute": 57}
